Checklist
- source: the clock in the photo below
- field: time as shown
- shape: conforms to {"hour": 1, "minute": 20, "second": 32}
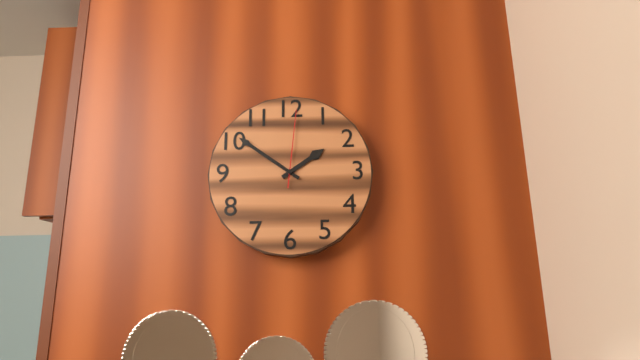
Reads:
{"hour": 1, "minute": 51, "second": 1}
